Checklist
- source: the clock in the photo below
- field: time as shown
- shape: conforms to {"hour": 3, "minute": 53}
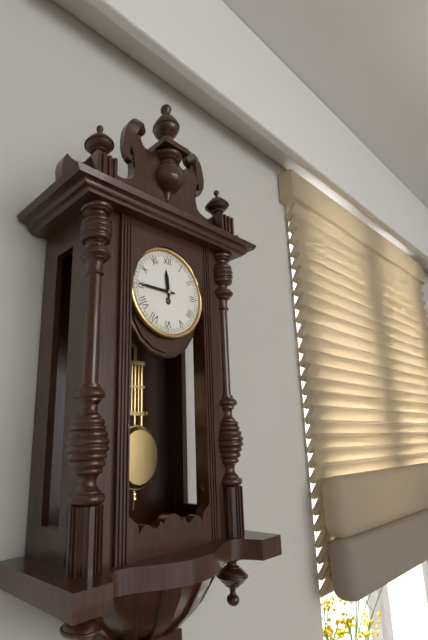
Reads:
{"hour": 11, "minute": 45}
